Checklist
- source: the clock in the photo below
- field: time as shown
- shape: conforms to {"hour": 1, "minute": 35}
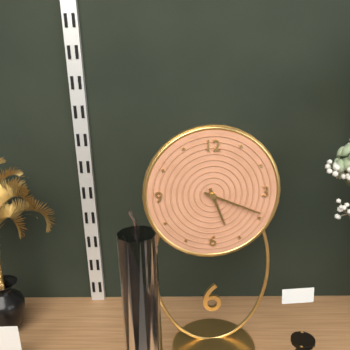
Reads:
{"hour": 5, "minute": 19}
